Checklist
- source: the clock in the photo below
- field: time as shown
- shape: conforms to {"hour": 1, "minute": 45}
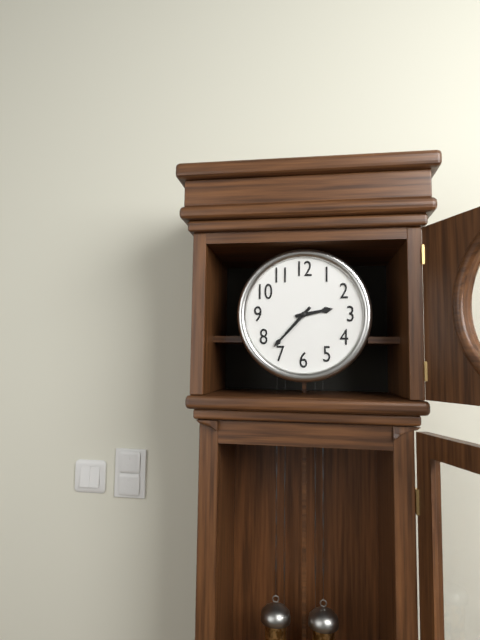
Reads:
{"hour": 2, "minute": 37}
